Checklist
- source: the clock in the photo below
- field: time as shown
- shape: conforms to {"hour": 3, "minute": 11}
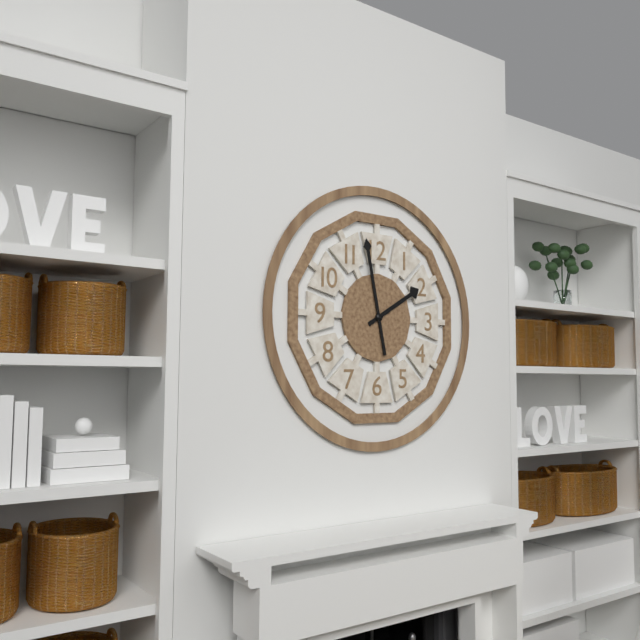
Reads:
{"hour": 1, "minute": 58}
